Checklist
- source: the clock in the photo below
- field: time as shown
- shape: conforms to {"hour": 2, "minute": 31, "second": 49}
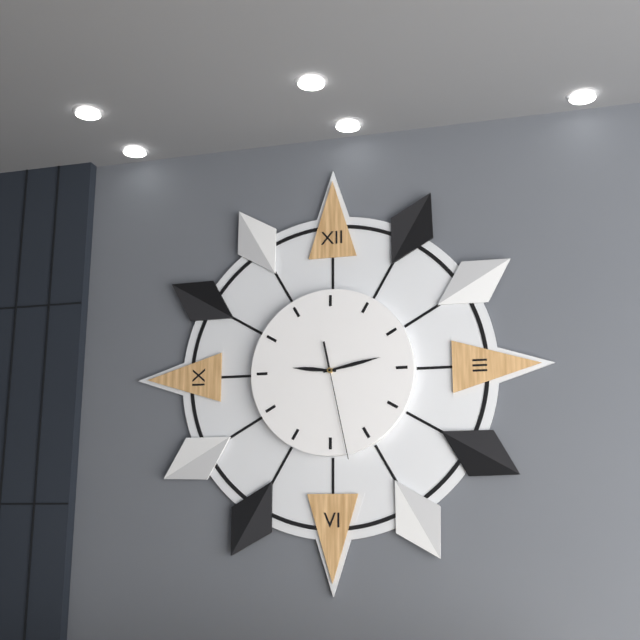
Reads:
{"hour": 9, "minute": 13, "second": 28}
